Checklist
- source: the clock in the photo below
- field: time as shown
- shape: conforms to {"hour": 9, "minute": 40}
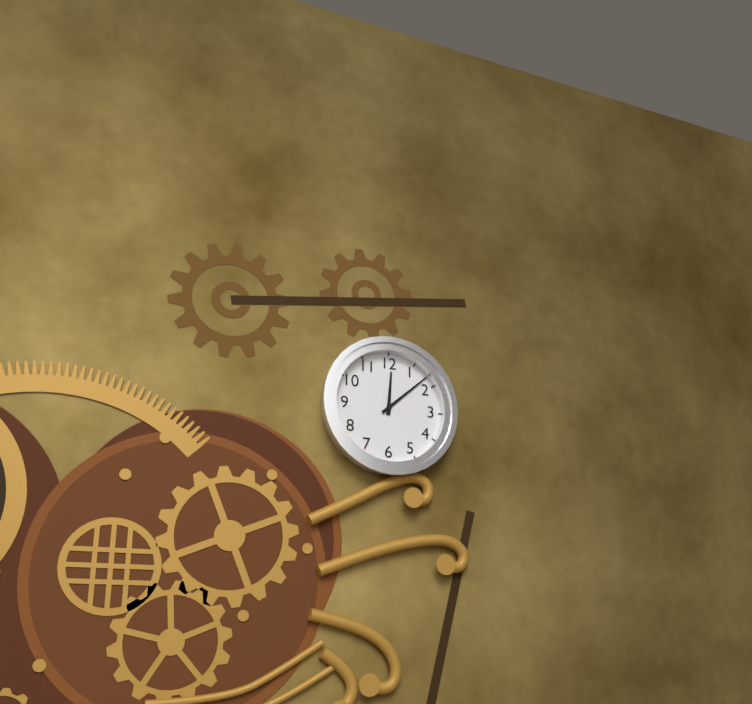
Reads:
{"hour": 12, "minute": 8}
